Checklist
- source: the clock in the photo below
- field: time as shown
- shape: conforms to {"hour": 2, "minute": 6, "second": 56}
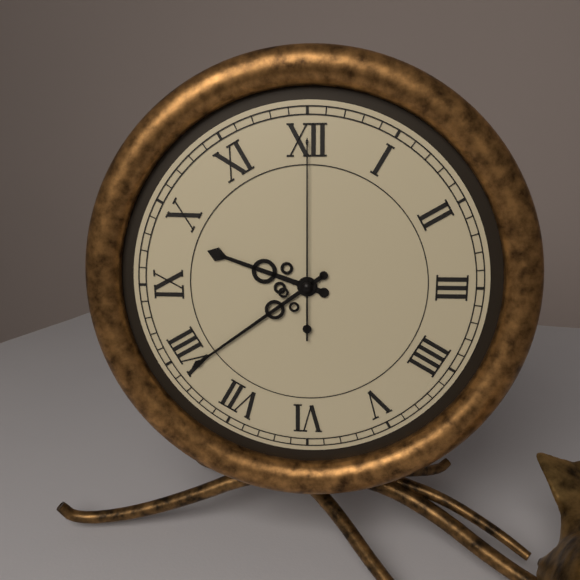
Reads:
{"hour": 9, "minute": 39, "second": 0}
